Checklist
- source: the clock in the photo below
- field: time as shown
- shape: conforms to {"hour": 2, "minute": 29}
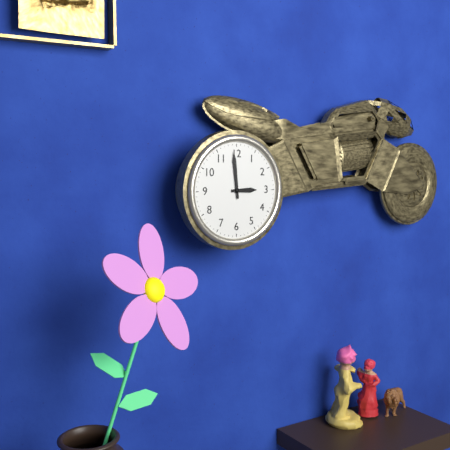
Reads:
{"hour": 2, "minute": 59}
